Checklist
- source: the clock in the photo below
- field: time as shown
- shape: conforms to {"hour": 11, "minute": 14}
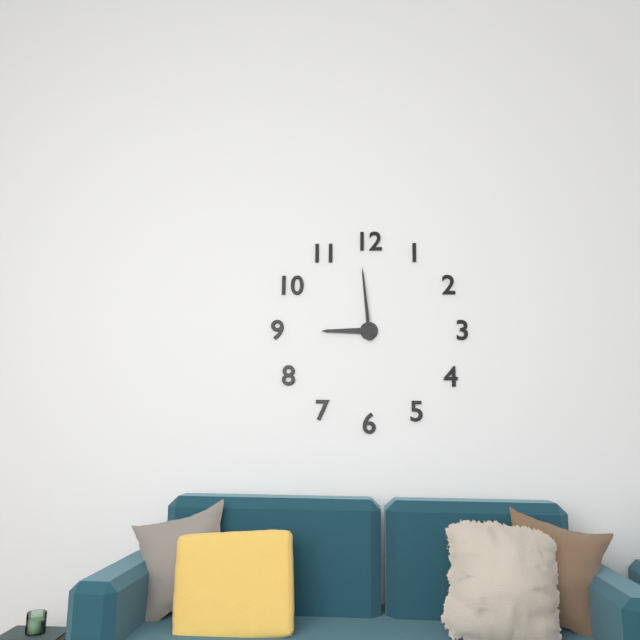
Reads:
{"hour": 8, "minute": 59}
